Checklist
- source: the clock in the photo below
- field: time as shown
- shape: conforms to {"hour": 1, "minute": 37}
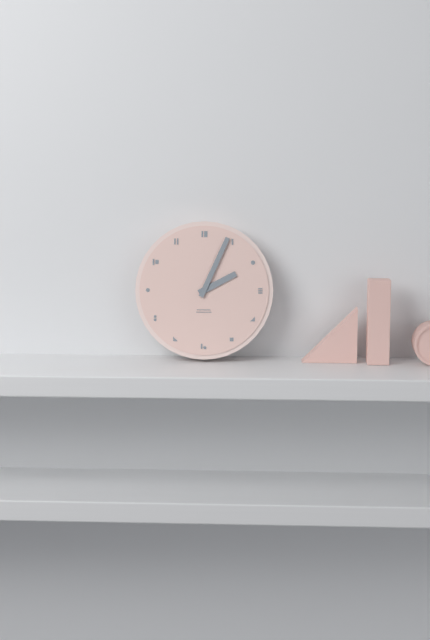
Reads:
{"hour": 2, "minute": 4}
